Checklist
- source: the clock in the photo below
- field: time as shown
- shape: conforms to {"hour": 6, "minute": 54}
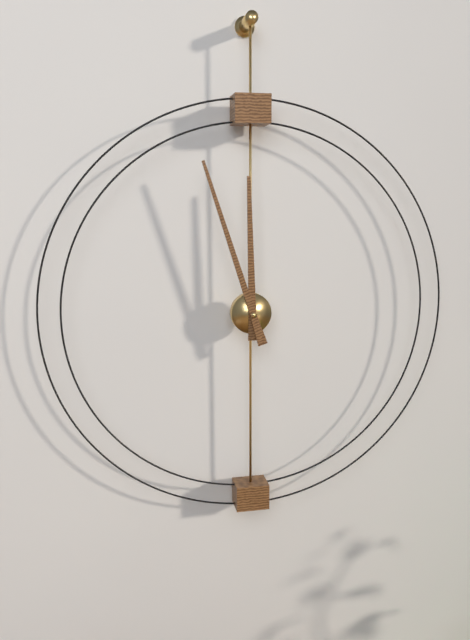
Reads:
{"hour": 11, "minute": 57}
